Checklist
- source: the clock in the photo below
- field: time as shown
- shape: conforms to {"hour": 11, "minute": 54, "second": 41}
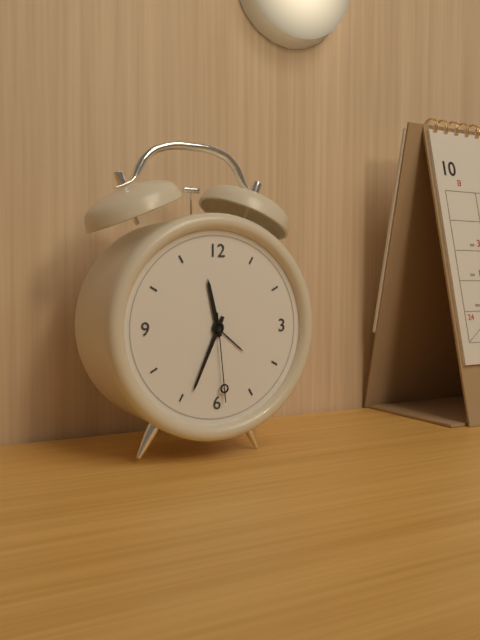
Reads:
{"hour": 11, "minute": 34, "second": 29}
